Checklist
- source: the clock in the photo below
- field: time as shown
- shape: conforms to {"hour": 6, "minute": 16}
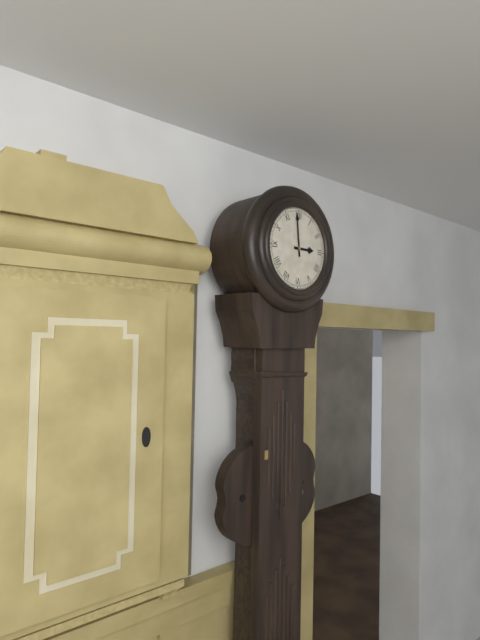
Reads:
{"hour": 2, "minute": 59}
